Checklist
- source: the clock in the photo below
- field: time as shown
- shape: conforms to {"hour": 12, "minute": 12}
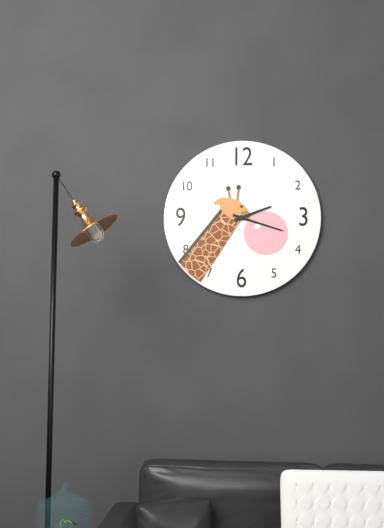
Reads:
{"hour": 2, "minute": 18}
